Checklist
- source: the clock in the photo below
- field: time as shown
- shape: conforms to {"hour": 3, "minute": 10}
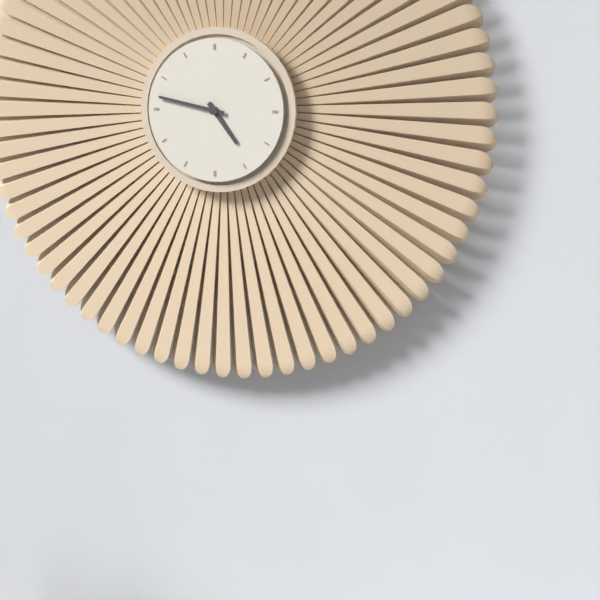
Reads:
{"hour": 4, "minute": 47}
